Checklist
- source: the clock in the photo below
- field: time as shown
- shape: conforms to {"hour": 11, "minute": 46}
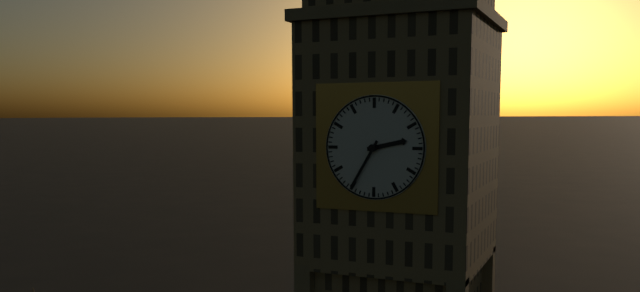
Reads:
{"hour": 2, "minute": 35}
